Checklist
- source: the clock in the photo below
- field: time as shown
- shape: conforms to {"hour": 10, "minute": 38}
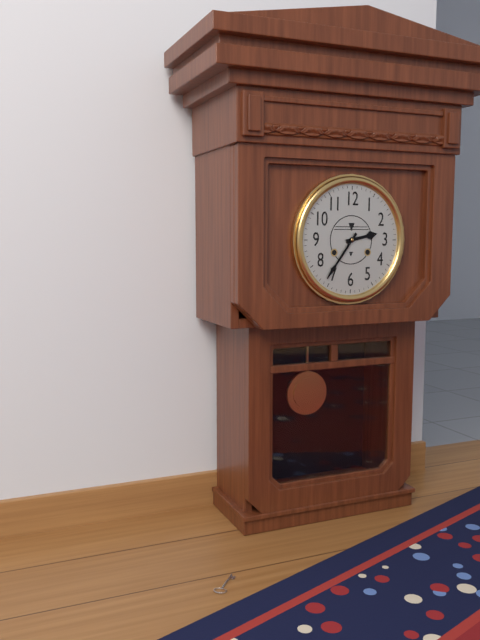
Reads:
{"hour": 2, "minute": 36}
